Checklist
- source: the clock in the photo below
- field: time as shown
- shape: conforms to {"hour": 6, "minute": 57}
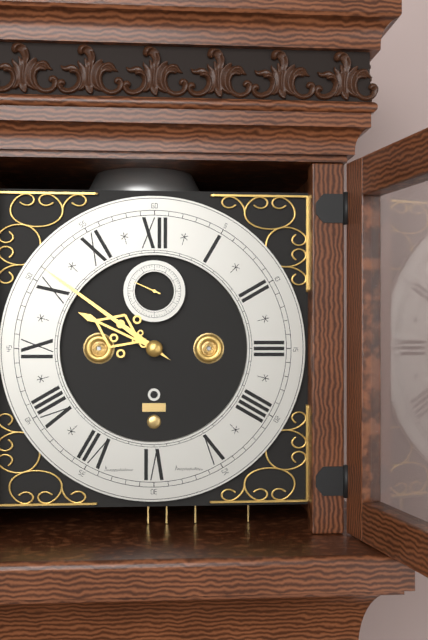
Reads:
{"hour": 9, "minute": 51}
